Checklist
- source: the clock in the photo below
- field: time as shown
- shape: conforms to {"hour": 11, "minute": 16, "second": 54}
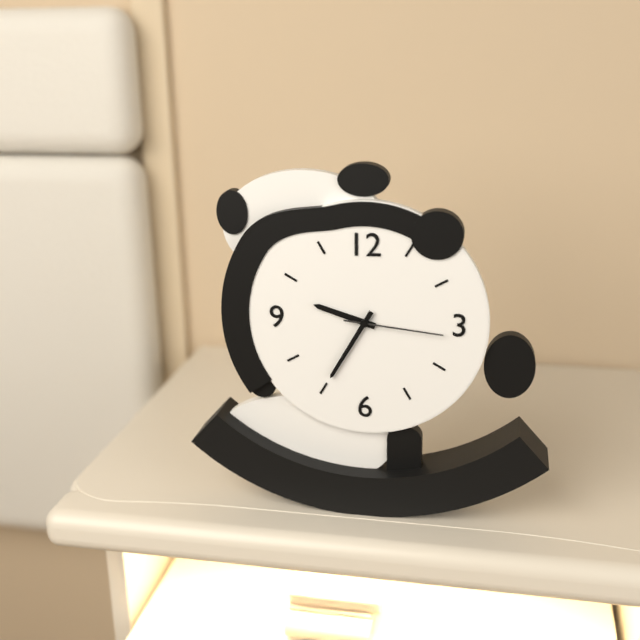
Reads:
{"hour": 9, "minute": 35, "second": 16}
